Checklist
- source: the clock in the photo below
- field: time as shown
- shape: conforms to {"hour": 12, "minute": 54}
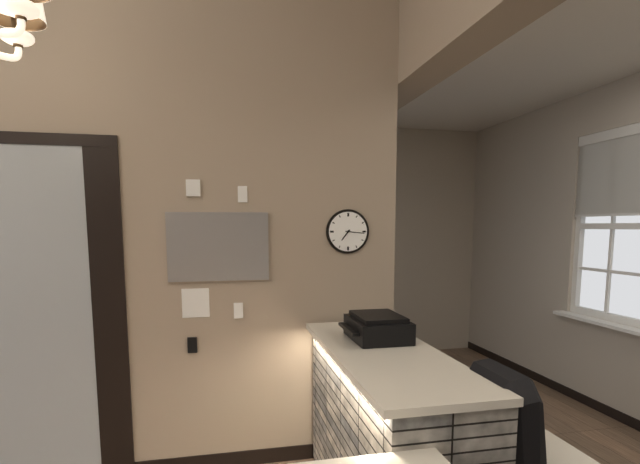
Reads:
{"hour": 7, "minute": 16}
